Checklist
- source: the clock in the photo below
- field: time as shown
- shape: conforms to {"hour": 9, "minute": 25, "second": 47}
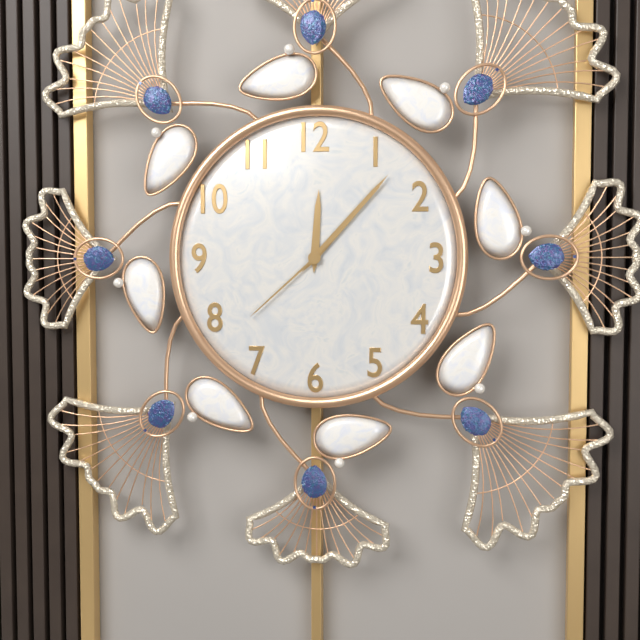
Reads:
{"hour": 12, "minute": 7, "second": 38}
